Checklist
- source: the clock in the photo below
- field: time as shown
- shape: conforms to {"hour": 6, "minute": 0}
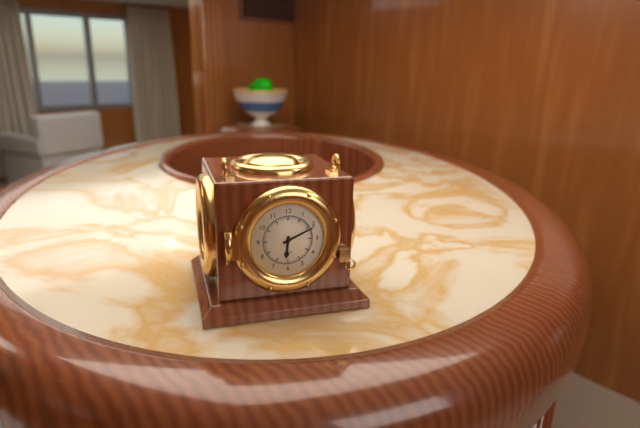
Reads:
{"hour": 6, "minute": 11}
